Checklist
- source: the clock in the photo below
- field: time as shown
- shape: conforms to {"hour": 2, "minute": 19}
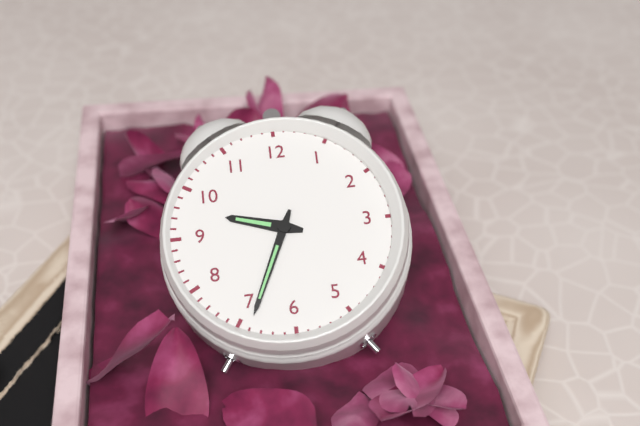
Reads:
{"hour": 9, "minute": 34}
